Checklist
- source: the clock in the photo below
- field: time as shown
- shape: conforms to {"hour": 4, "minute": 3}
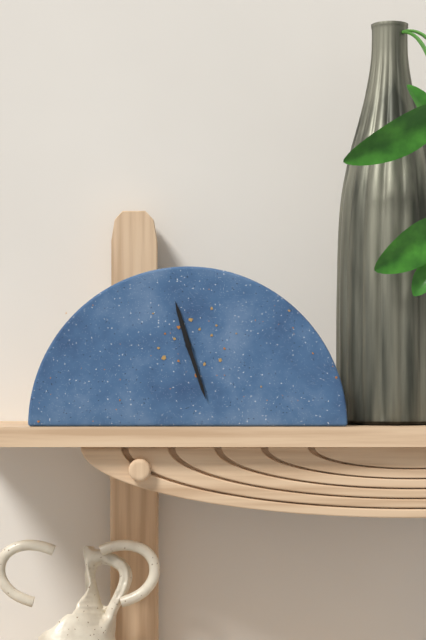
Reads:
{"hour": 11, "minute": 27}
